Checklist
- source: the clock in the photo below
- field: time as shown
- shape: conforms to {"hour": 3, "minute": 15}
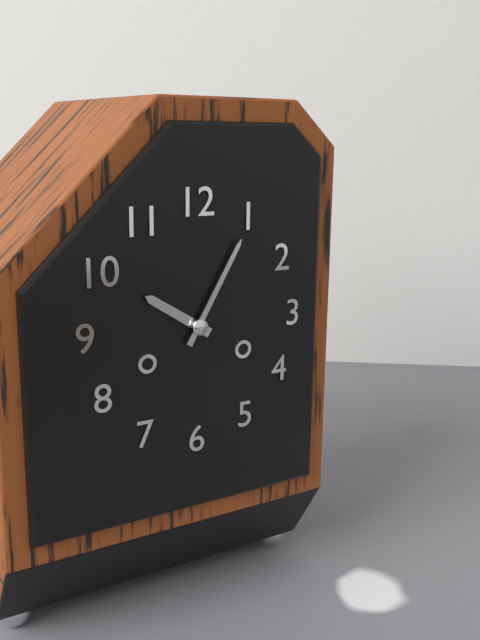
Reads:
{"hour": 10, "minute": 5}
